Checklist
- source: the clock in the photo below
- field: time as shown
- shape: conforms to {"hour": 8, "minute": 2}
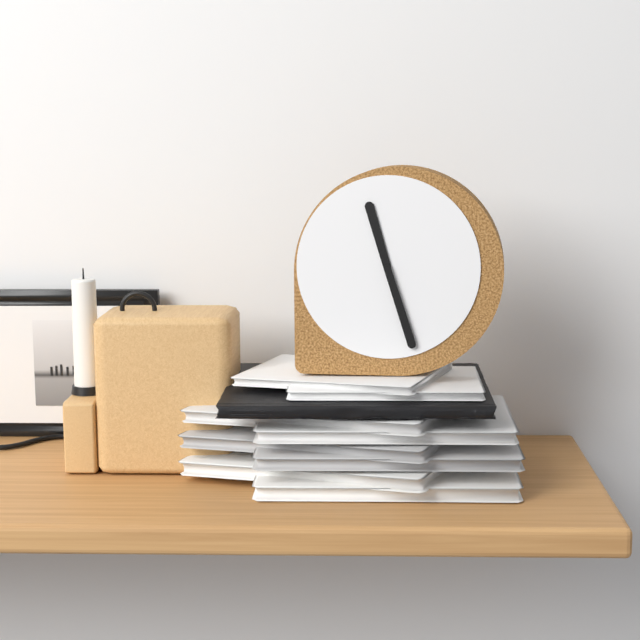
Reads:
{"hour": 11, "minute": 27}
